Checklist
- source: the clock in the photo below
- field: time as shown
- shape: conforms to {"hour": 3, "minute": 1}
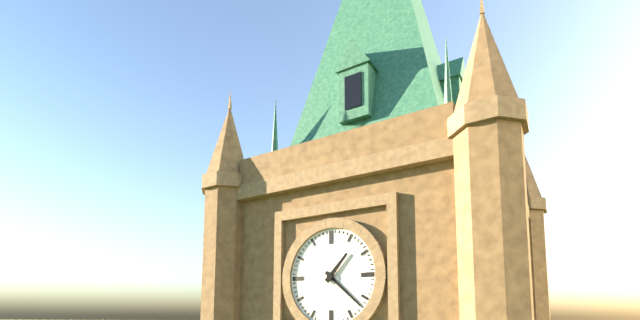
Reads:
{"hour": 1, "minute": 22}
